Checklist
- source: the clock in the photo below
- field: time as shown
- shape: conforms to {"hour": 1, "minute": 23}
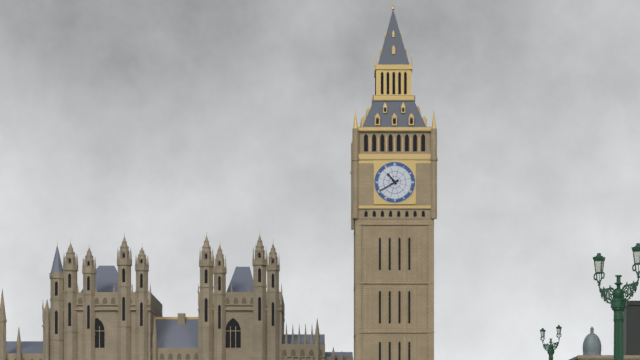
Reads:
{"hour": 10, "minute": 40}
